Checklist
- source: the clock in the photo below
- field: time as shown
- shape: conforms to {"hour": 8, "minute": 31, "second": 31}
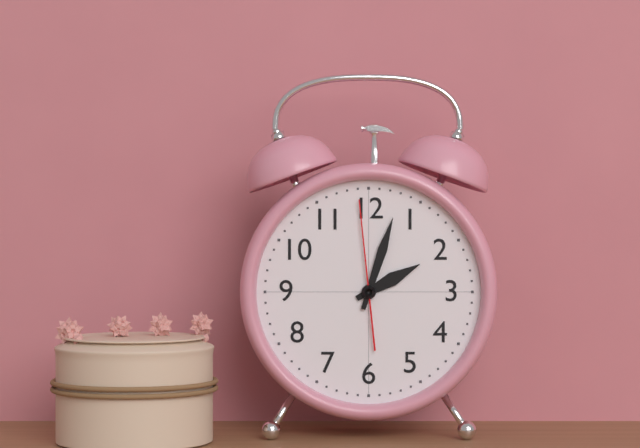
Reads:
{"hour": 2, "minute": 3, "second": 59}
